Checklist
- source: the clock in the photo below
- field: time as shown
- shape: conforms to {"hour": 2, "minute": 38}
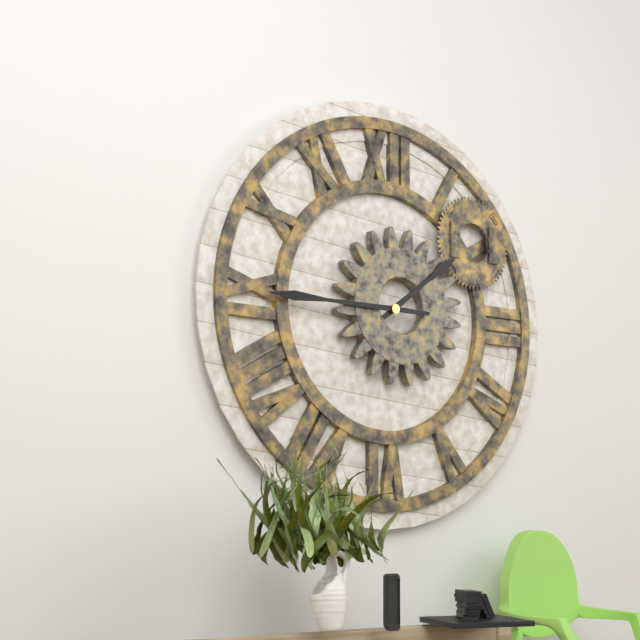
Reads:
{"hour": 1, "minute": 45}
